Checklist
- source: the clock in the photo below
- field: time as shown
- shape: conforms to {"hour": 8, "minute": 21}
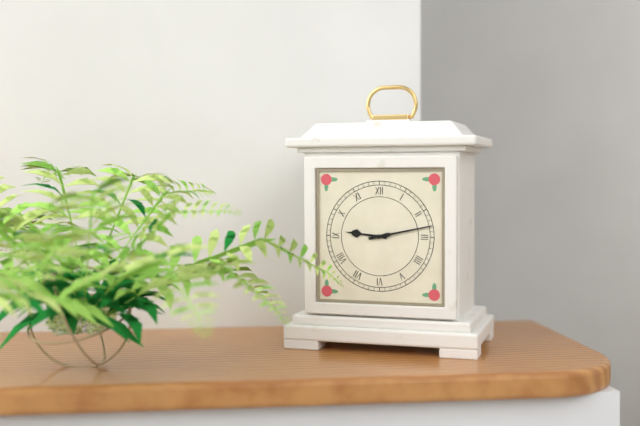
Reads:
{"hour": 9, "minute": 13}
